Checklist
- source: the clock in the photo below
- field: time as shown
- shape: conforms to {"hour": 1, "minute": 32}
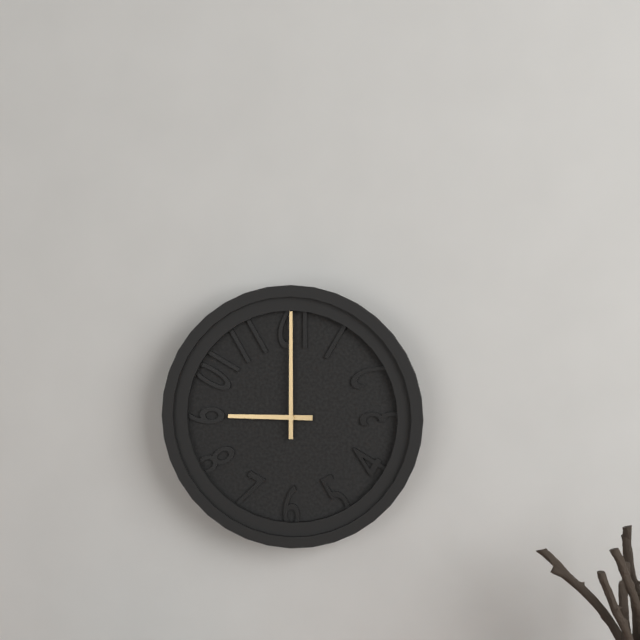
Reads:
{"hour": 9, "minute": 0}
